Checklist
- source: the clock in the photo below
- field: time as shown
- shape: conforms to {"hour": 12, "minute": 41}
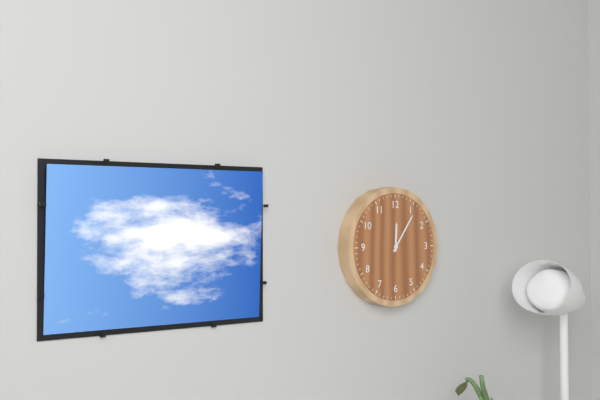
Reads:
{"hour": 12, "minute": 6}
